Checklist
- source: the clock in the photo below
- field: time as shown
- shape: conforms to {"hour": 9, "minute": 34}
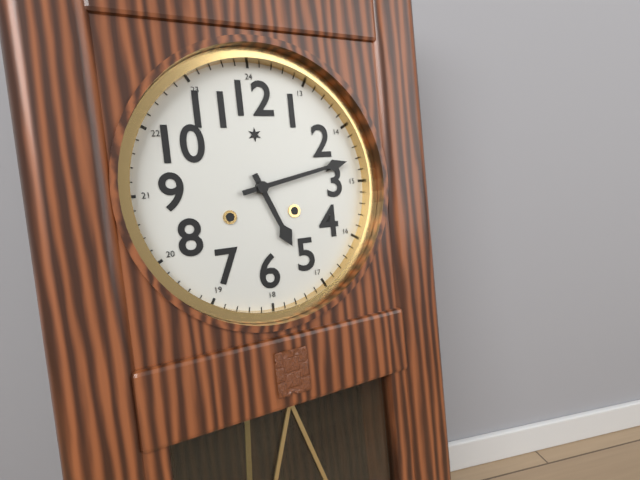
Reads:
{"hour": 5, "minute": 13}
